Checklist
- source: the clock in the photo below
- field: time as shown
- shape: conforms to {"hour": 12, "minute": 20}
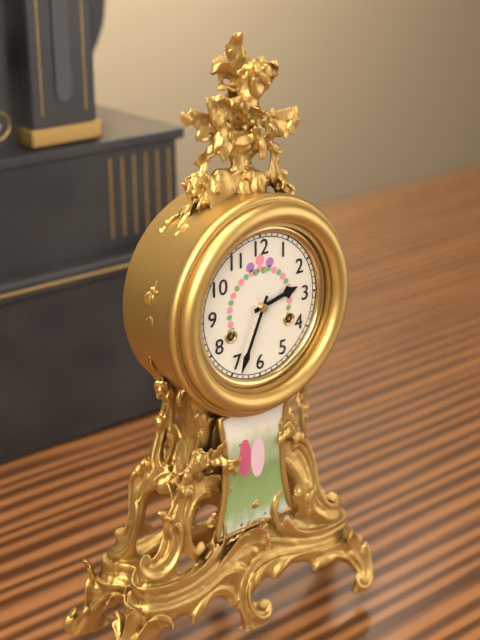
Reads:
{"hour": 2, "minute": 34}
